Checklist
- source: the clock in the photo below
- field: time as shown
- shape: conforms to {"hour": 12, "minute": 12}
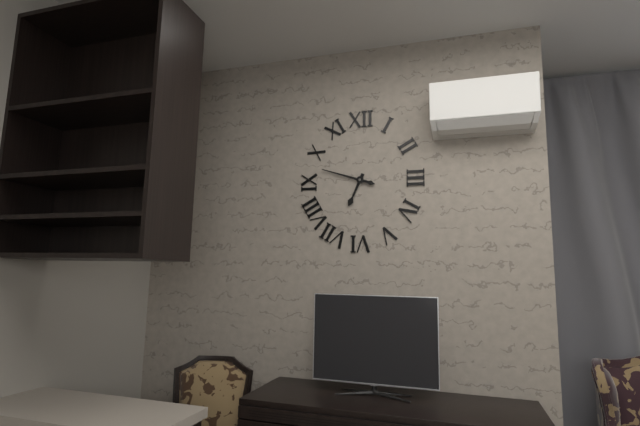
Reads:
{"hour": 6, "minute": 48}
